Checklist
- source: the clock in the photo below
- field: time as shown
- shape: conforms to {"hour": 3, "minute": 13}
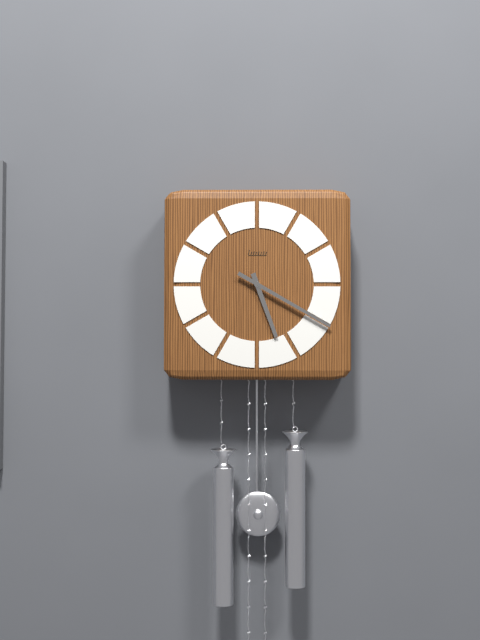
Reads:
{"hour": 5, "minute": 20}
